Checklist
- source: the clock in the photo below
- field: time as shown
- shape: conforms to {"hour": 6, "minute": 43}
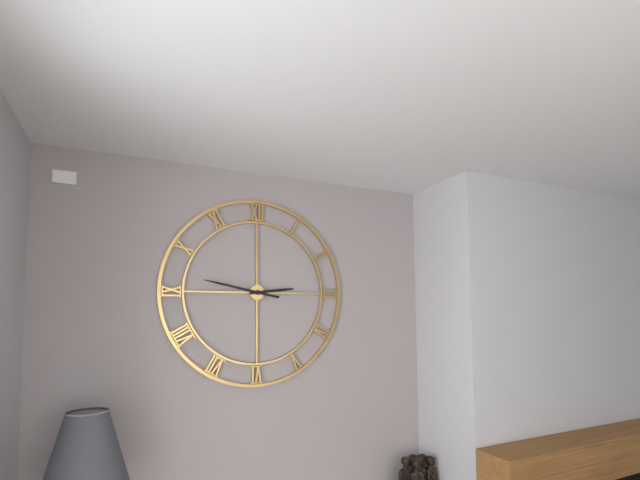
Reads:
{"hour": 2, "minute": 47}
